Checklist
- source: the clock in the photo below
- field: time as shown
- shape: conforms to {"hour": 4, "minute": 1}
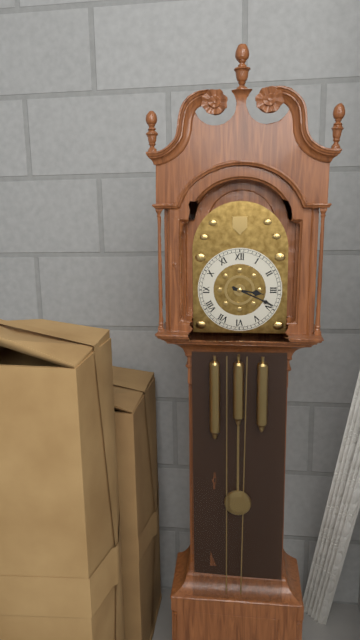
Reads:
{"hour": 3, "minute": 19}
